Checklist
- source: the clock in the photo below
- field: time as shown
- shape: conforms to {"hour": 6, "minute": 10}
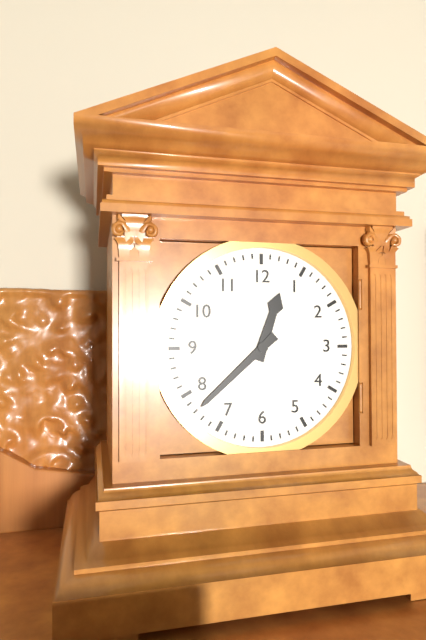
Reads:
{"hour": 12, "minute": 38}
